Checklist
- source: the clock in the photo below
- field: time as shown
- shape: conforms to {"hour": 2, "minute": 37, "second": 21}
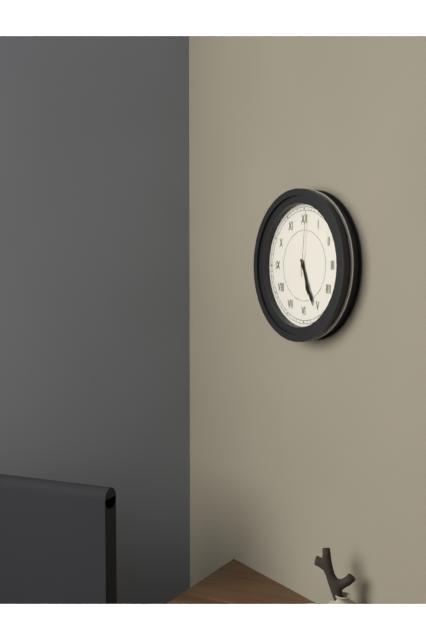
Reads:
{"hour": 5, "minute": 26, "second": 1}
